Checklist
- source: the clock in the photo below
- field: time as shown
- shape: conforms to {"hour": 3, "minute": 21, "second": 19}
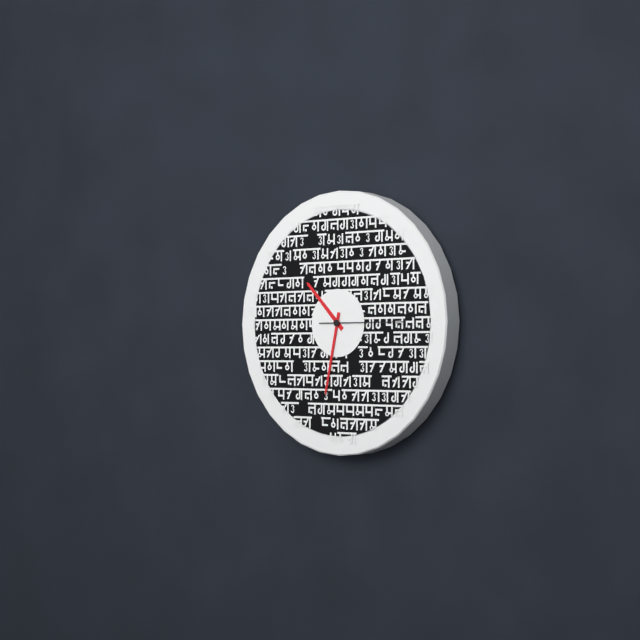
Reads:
{"hour": 10, "minute": 32, "second": 15}
